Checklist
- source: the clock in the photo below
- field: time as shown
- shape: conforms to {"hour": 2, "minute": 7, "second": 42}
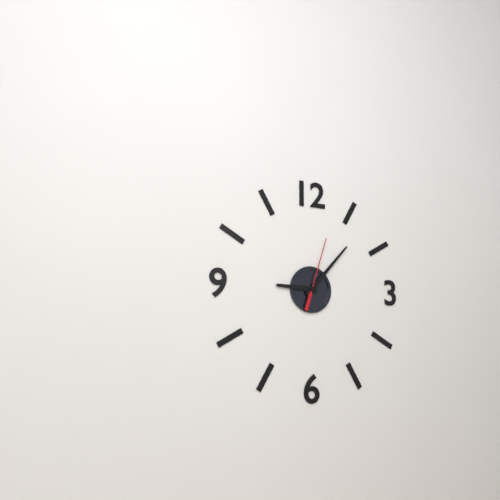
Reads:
{"hour": 9, "minute": 7, "second": 3}
